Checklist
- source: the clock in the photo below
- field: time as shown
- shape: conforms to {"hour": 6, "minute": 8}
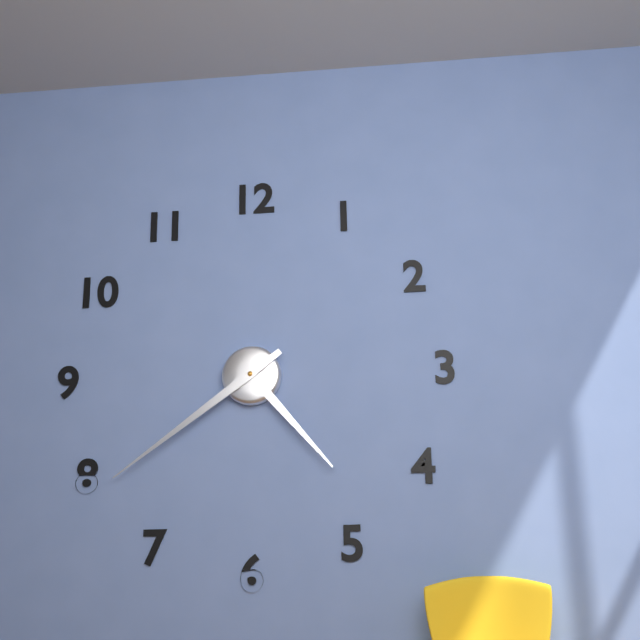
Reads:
{"hour": 4, "minute": 39}
